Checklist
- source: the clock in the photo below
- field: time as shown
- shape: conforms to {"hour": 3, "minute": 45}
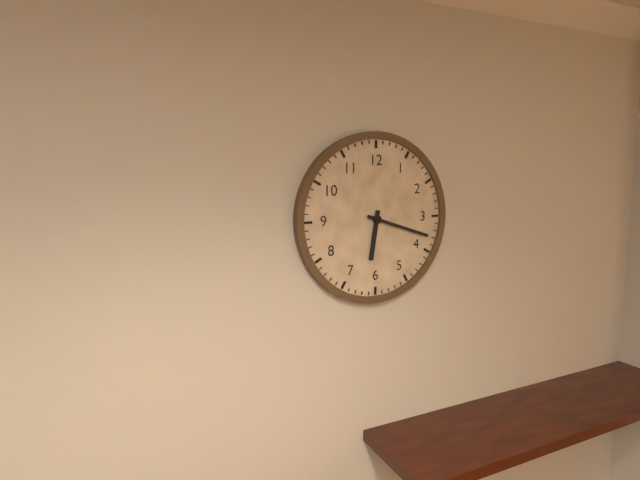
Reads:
{"hour": 6, "minute": 18}
